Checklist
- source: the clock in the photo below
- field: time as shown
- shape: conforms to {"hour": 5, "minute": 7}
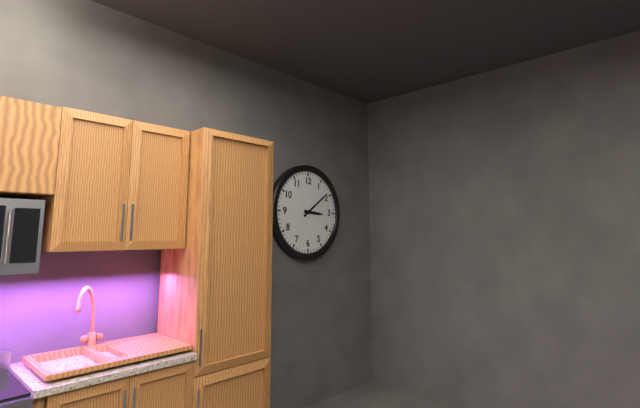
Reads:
{"hour": 3, "minute": 9}
